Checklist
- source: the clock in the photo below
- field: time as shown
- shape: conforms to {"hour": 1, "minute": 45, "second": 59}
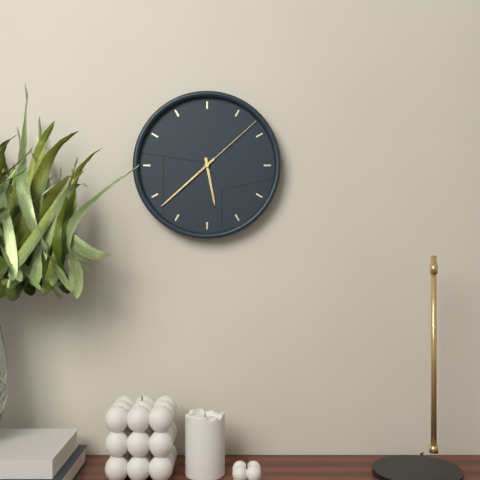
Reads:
{"hour": 5, "minute": 38, "second": 8}
